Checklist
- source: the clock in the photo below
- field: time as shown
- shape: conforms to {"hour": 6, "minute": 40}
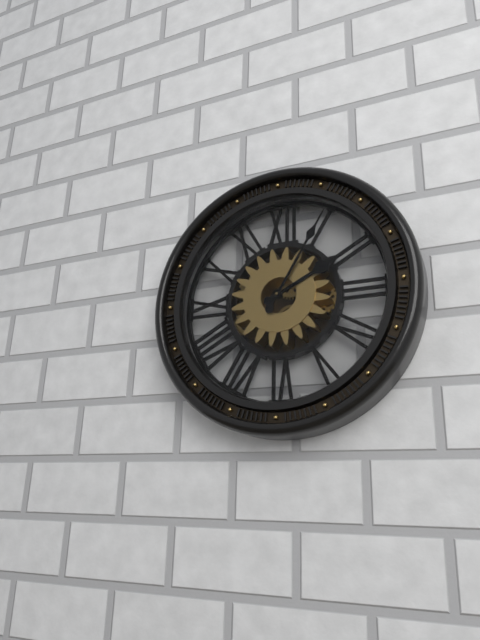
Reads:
{"hour": 2, "minute": 5}
